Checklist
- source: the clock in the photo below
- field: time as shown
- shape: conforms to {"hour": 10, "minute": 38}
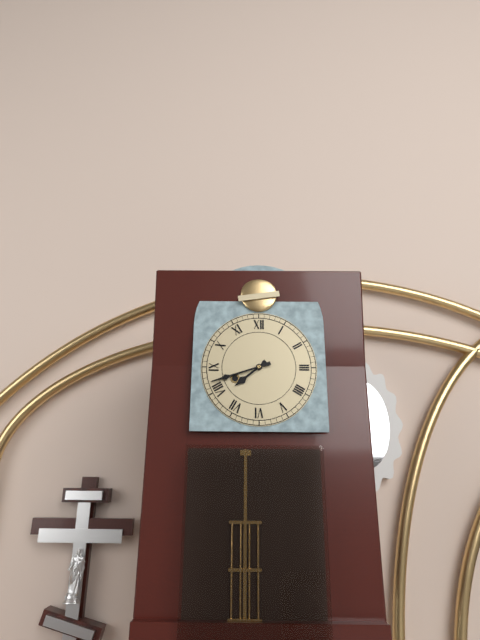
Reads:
{"hour": 7, "minute": 42}
